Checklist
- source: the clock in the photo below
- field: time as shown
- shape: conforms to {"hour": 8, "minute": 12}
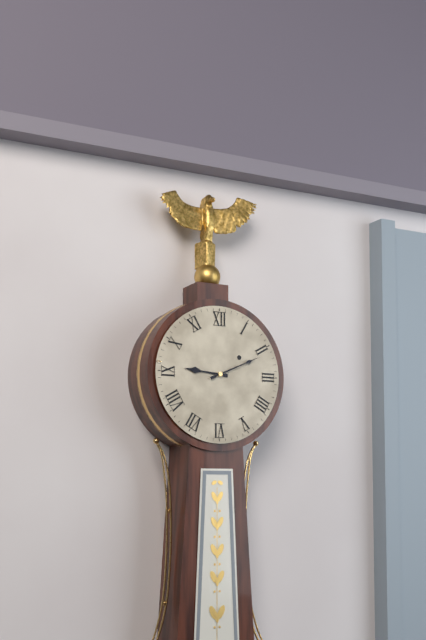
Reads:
{"hour": 9, "minute": 11}
